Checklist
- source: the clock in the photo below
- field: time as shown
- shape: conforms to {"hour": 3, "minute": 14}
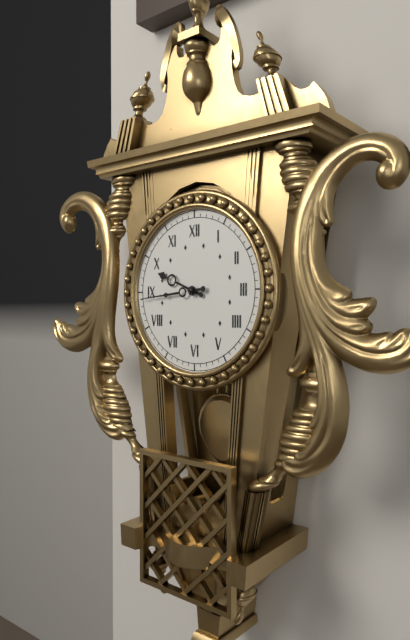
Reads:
{"hour": 9, "minute": 44}
